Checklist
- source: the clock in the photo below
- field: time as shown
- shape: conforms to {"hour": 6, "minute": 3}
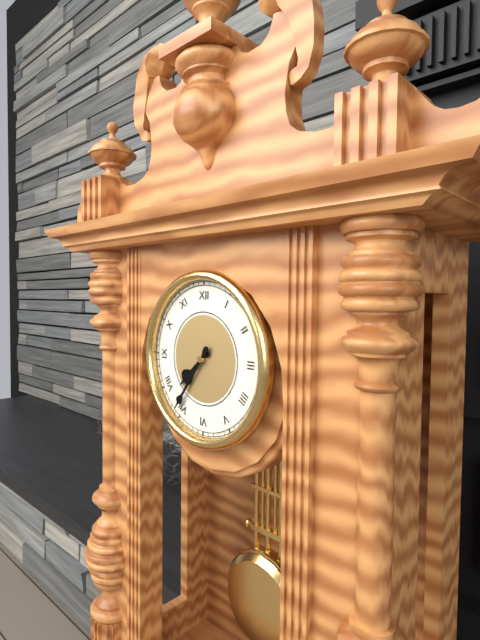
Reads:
{"hour": 7, "minute": 36}
